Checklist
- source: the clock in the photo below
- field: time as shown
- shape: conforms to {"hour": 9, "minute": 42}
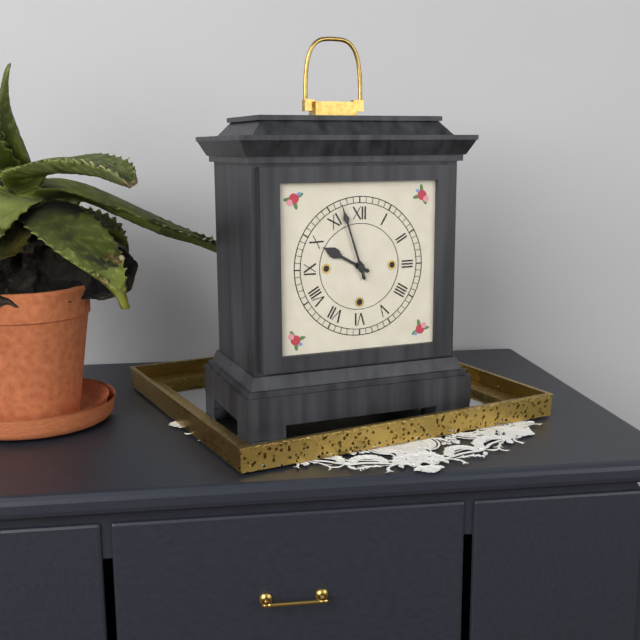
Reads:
{"hour": 9, "minute": 57}
